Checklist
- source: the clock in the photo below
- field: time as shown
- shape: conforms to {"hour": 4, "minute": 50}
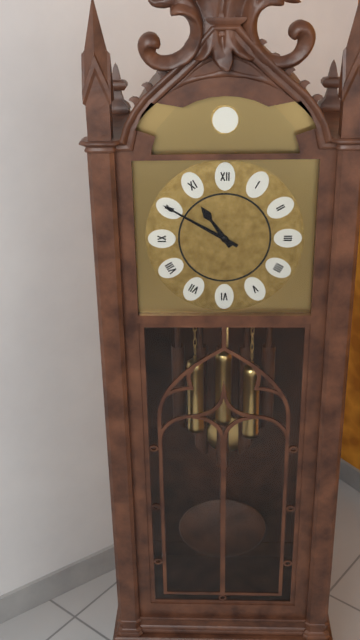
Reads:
{"hour": 10, "minute": 50}
